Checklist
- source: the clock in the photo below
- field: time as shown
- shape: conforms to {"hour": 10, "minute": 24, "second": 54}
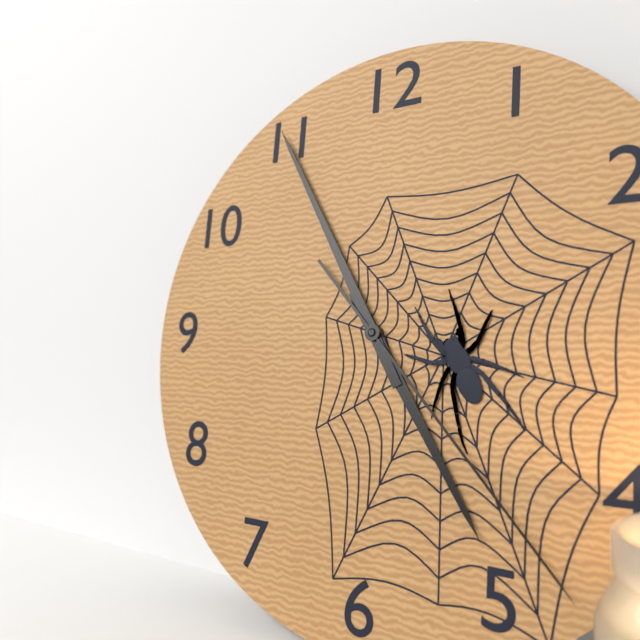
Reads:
{"hour": 4, "minute": 55, "second": 23}
